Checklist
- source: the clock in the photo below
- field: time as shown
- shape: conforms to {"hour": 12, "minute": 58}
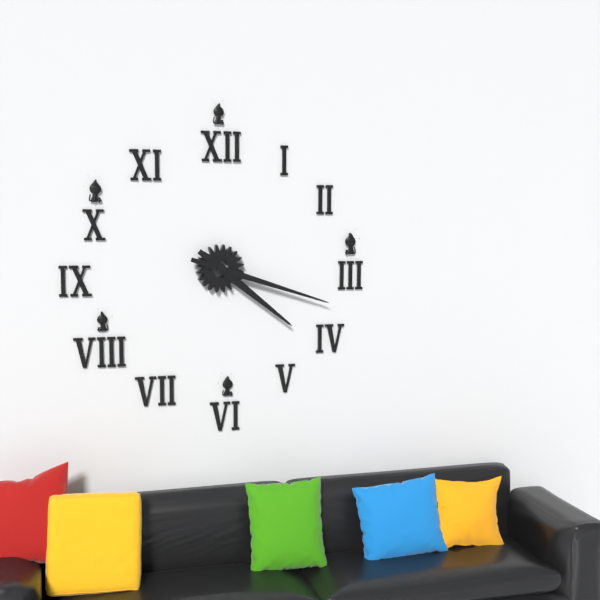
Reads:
{"hour": 4, "minute": 18}
